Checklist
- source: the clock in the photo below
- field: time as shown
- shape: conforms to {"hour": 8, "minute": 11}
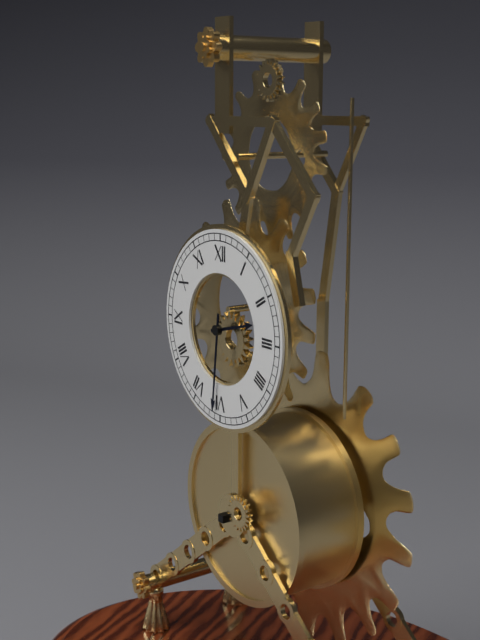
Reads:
{"hour": 2, "minute": 31}
